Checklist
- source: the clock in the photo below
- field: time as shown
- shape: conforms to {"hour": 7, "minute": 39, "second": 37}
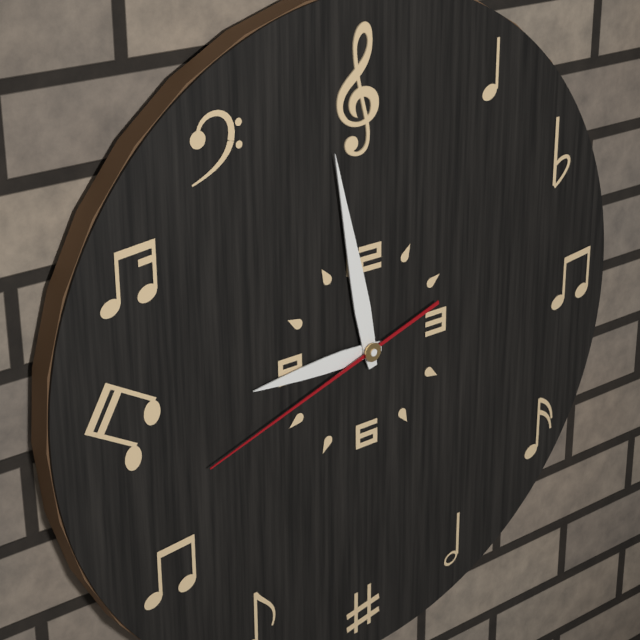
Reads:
{"hour": 8, "minute": 58, "second": 42}
